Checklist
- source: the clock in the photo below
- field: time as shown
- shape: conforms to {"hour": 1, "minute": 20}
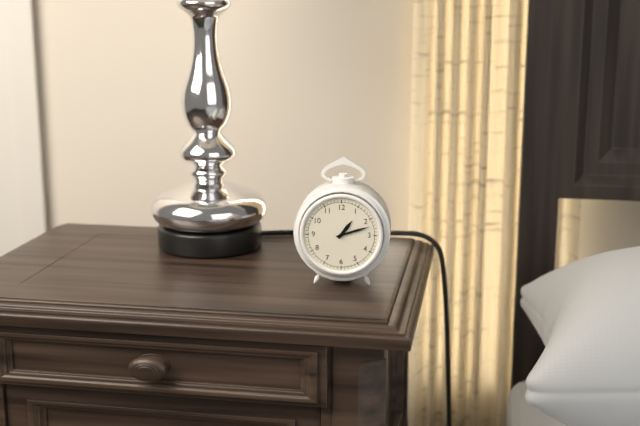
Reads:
{"hour": 1, "minute": 12}
